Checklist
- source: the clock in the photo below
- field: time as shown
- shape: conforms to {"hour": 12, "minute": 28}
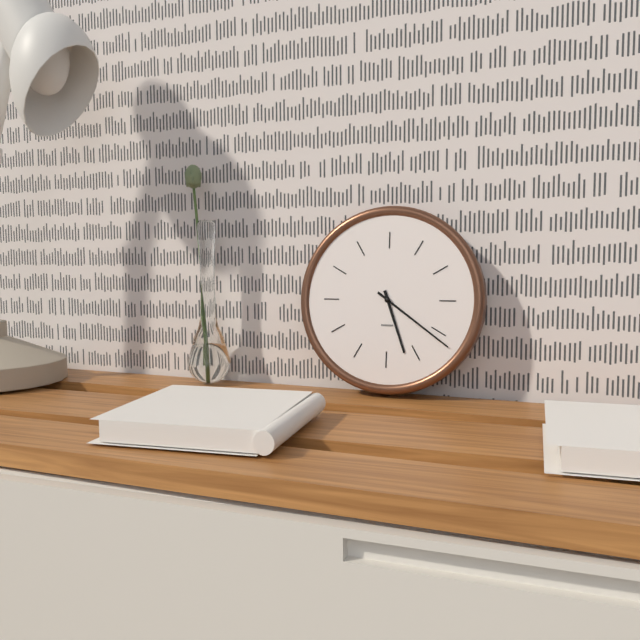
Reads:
{"hour": 5, "minute": 21}
